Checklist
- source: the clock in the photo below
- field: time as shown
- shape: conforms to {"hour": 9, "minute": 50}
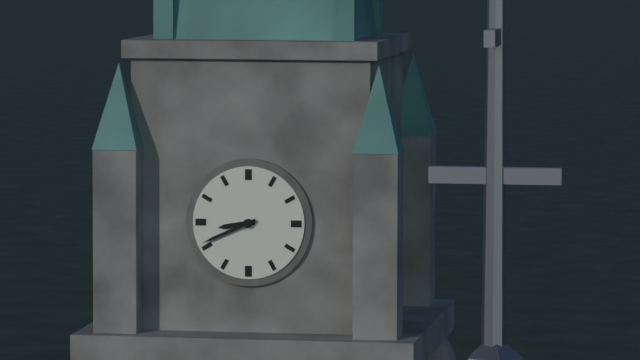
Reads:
{"hour": 8, "minute": 41}
